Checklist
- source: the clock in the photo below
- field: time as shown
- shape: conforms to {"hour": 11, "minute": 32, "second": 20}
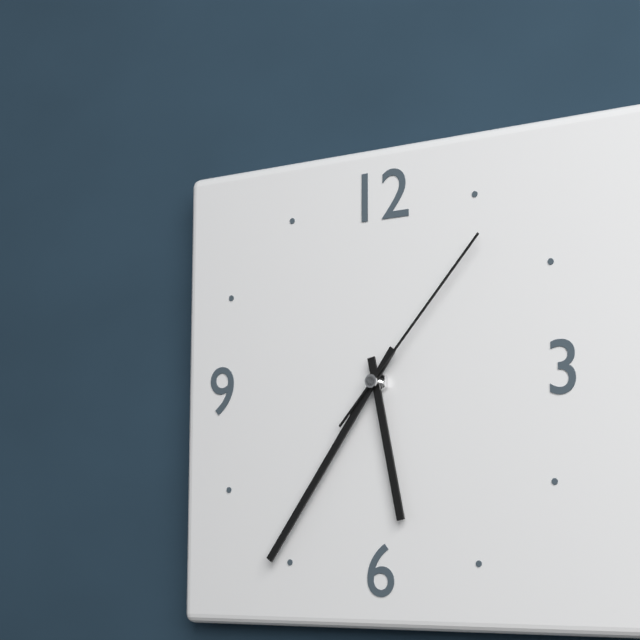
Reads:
{"hour": 5, "minute": 36, "second": 7}
